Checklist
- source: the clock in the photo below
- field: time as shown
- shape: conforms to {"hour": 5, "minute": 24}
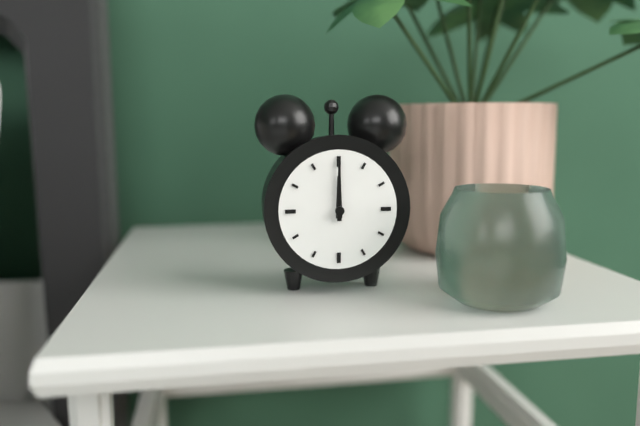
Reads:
{"hour": 12, "minute": 0}
